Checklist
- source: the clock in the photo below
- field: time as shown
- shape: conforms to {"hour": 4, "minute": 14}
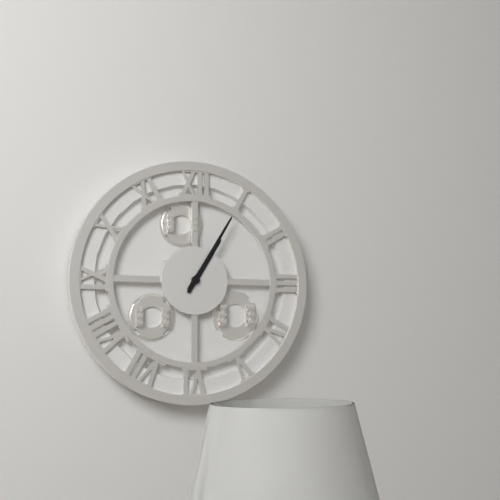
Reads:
{"hour": 1, "minute": 5}
